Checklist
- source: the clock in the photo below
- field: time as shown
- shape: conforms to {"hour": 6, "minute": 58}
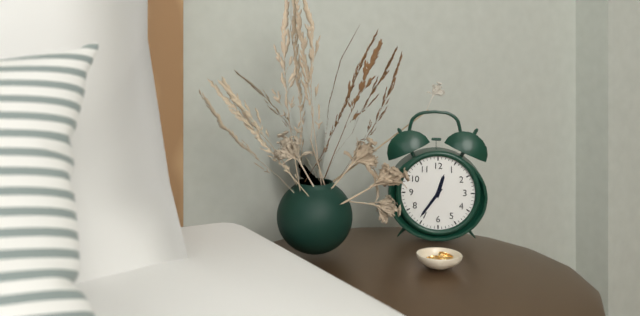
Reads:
{"hour": 12, "minute": 36}
